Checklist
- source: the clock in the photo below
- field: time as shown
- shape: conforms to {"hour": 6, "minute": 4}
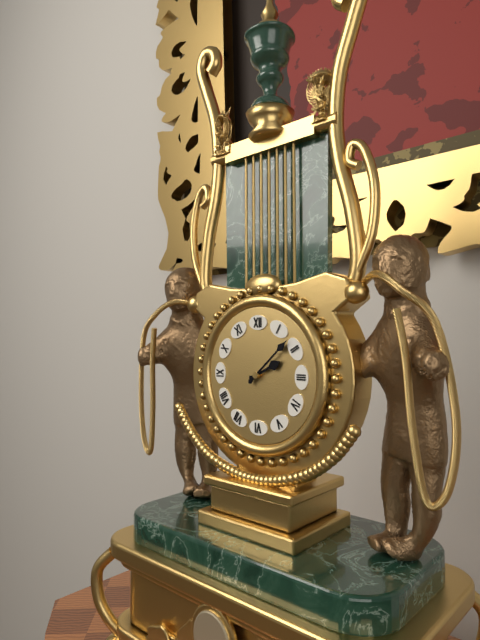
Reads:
{"hour": 2, "minute": 8}
